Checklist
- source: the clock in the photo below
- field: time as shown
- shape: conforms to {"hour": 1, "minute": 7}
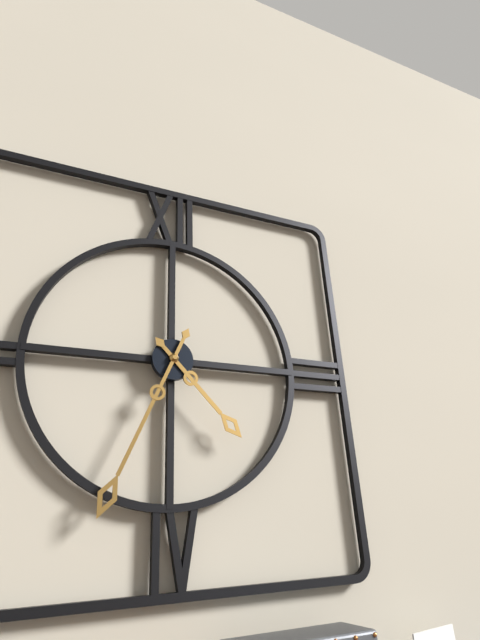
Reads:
{"hour": 4, "minute": 34}
